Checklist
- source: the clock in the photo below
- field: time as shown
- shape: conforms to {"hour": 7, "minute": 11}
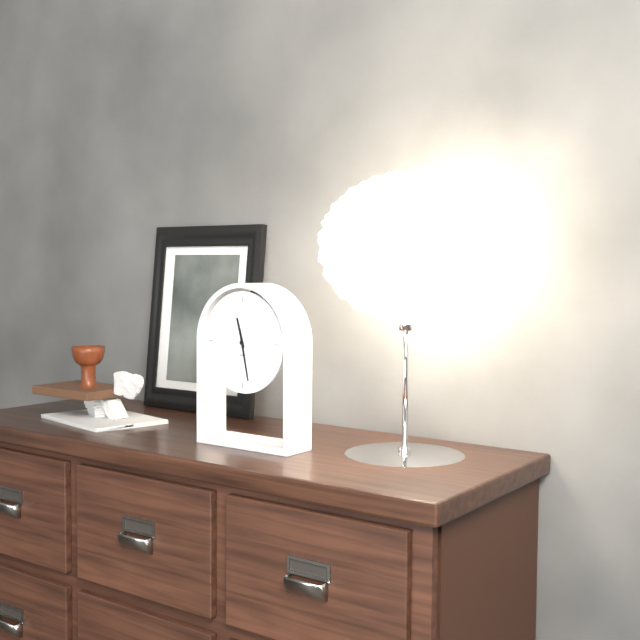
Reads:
{"hour": 11, "minute": 28}
